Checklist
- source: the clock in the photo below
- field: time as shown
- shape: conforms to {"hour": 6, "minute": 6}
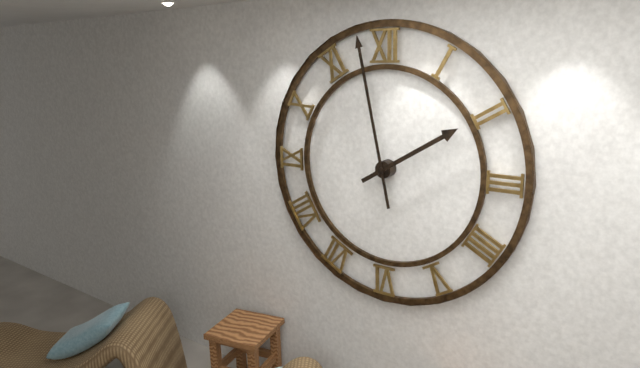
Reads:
{"hour": 1, "minute": 58}
